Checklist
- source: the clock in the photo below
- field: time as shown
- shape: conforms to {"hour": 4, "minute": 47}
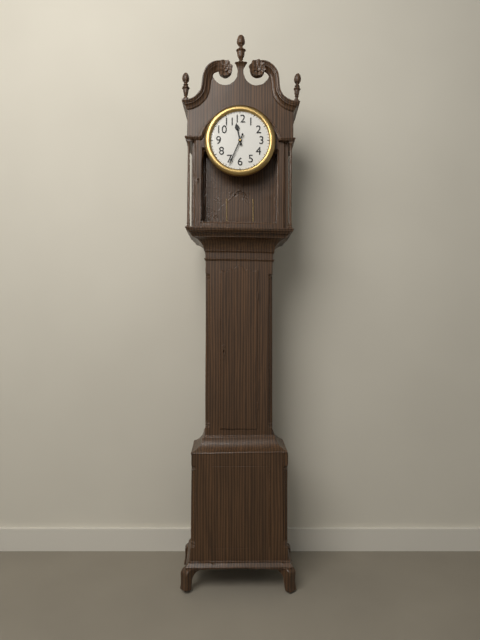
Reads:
{"hour": 11, "minute": 34}
